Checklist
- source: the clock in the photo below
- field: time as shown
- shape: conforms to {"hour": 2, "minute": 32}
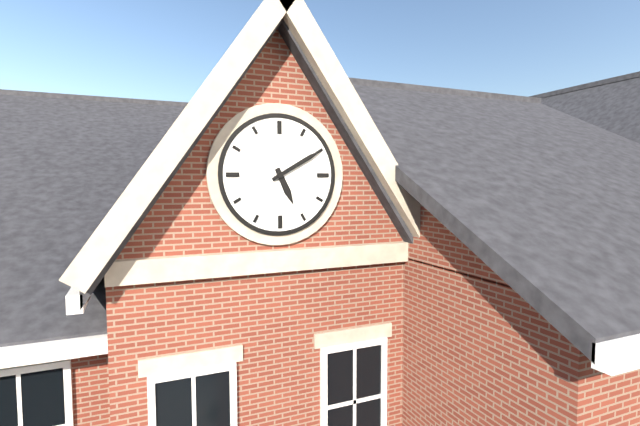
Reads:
{"hour": 5, "minute": 10}
